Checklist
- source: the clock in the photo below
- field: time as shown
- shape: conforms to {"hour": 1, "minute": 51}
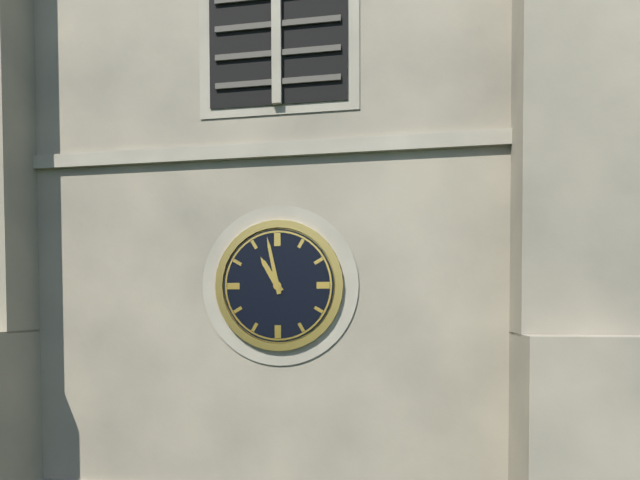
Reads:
{"hour": 10, "minute": 58}
